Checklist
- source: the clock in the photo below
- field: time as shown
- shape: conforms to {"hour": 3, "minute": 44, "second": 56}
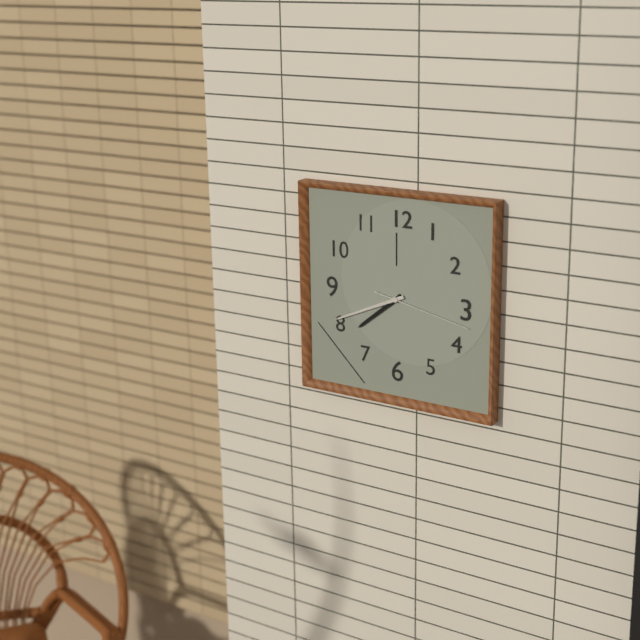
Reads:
{"hour": 7, "minute": 41, "second": 17}
